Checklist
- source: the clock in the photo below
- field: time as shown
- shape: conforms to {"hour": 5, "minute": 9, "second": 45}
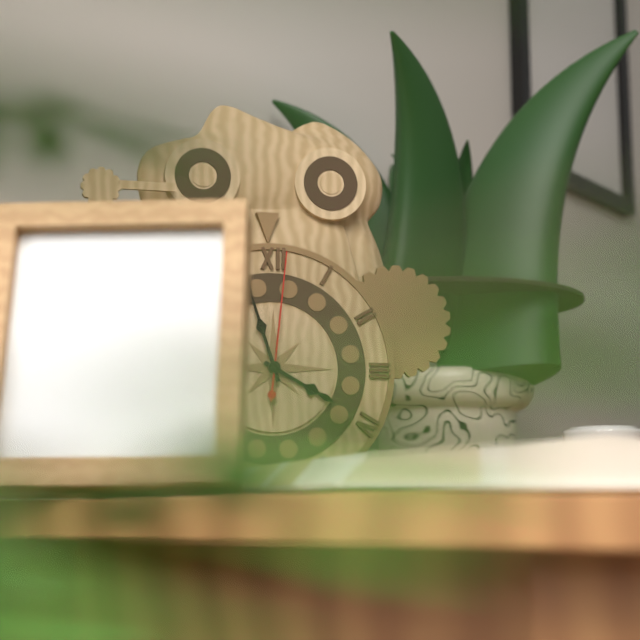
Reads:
{"hour": 3, "minute": 57, "second": 1}
